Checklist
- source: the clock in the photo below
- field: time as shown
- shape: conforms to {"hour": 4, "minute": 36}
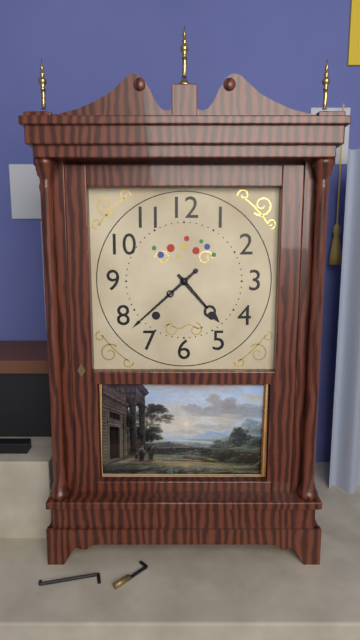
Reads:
{"hour": 4, "minute": 38}
